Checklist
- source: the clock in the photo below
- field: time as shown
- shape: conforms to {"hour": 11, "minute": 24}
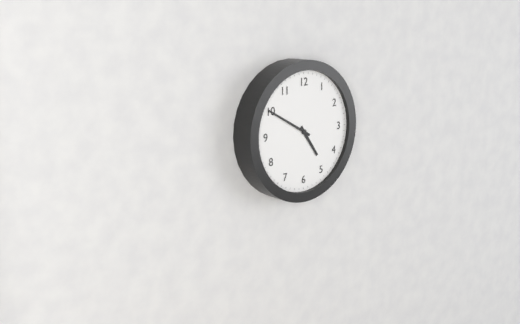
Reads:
{"hour": 4, "minute": 50}
